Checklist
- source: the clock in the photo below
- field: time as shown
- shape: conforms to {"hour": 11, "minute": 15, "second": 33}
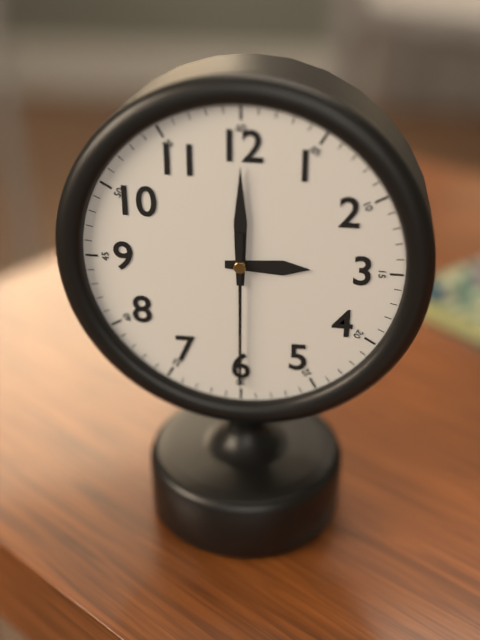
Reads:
{"hour": 3, "minute": 0, "second": 30}
